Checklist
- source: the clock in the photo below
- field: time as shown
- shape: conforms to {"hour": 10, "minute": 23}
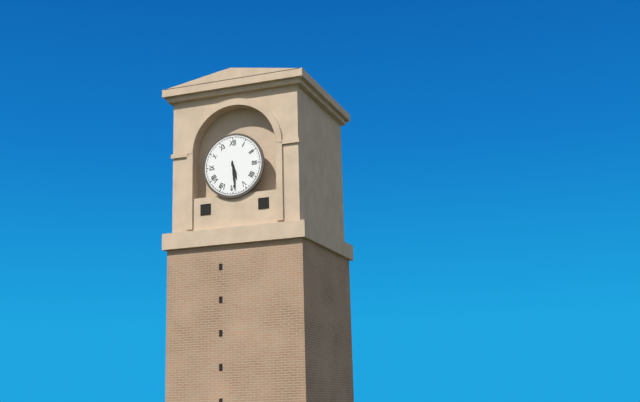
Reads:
{"hour": 5, "minute": 29}
